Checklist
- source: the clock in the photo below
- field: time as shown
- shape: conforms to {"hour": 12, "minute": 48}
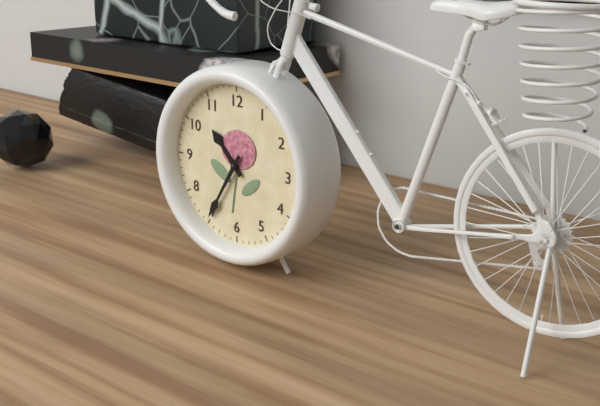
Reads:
{"hour": 10, "minute": 35}
